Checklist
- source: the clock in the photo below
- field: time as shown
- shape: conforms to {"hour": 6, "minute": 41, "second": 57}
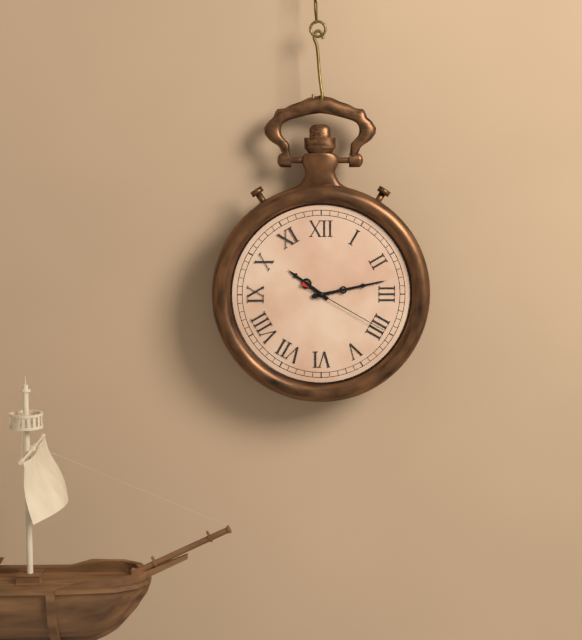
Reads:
{"hour": 10, "minute": 13, "second": 20}
